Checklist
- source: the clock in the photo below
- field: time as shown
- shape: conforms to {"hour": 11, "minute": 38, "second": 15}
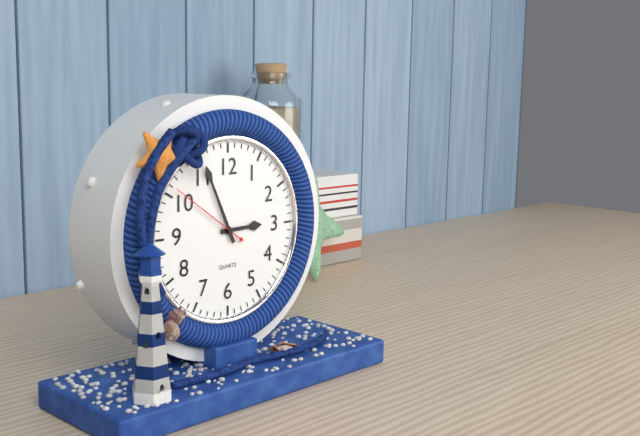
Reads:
{"hour": 2, "minute": 56, "second": 51}
